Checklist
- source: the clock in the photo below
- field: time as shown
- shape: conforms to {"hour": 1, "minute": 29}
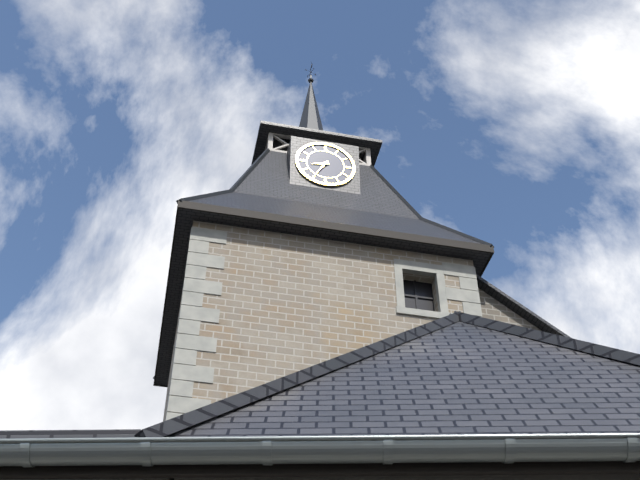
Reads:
{"hour": 8, "minute": 35}
